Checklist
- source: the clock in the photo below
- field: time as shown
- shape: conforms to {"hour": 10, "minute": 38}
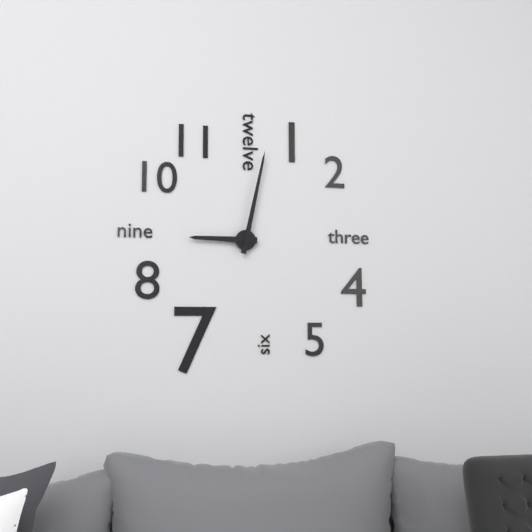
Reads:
{"hour": 9, "minute": 2}
